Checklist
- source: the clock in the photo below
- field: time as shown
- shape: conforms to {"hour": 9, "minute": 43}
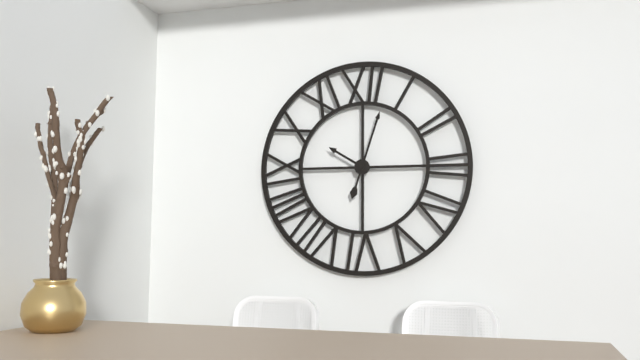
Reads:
{"hour": 10, "minute": 3}
